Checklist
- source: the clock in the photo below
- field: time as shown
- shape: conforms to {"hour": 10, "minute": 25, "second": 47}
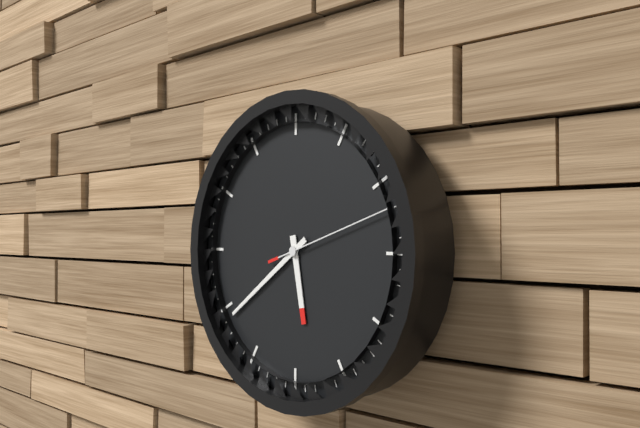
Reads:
{"hour": 5, "minute": 39, "second": 12}
